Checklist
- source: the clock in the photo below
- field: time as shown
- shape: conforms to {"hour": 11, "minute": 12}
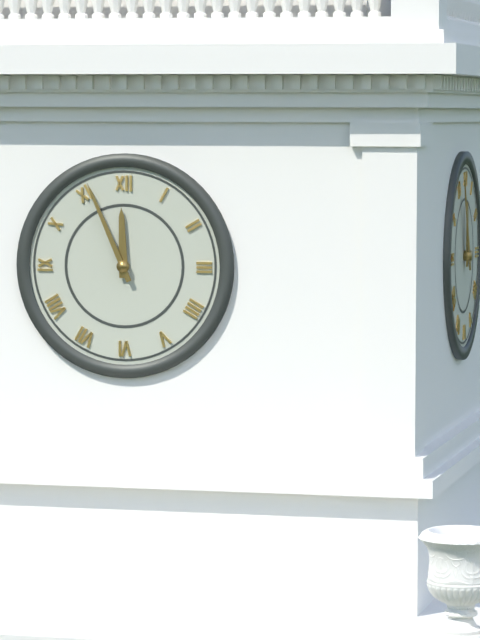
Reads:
{"hour": 11, "minute": 56}
